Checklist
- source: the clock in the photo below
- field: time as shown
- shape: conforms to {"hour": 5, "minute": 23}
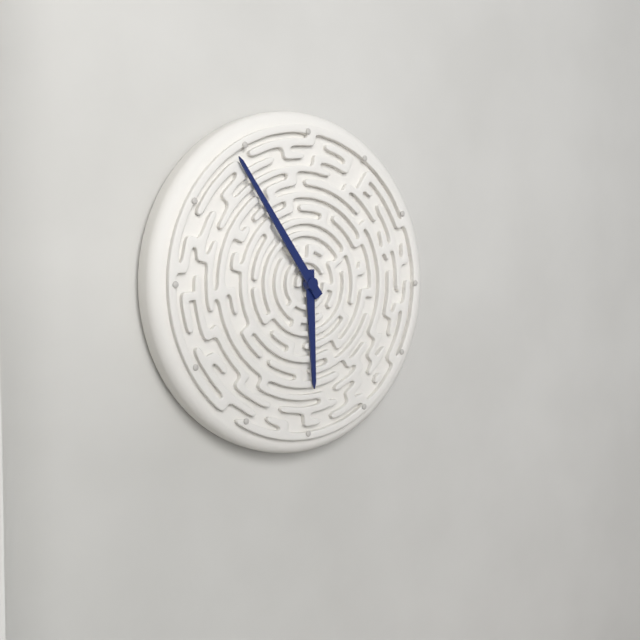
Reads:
{"hour": 5, "minute": 54}
